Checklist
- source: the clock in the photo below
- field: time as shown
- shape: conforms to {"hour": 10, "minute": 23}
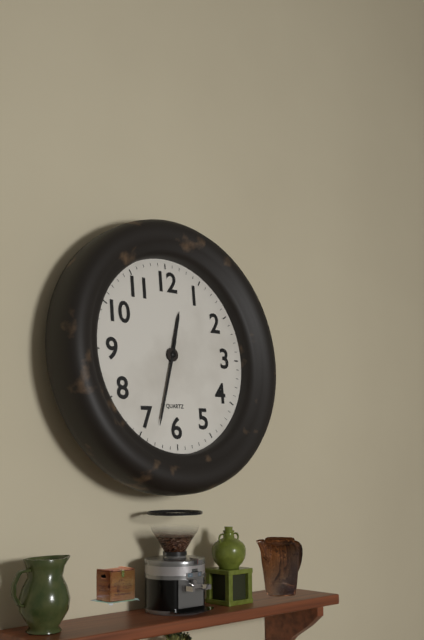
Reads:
{"hour": 12, "minute": 33}
